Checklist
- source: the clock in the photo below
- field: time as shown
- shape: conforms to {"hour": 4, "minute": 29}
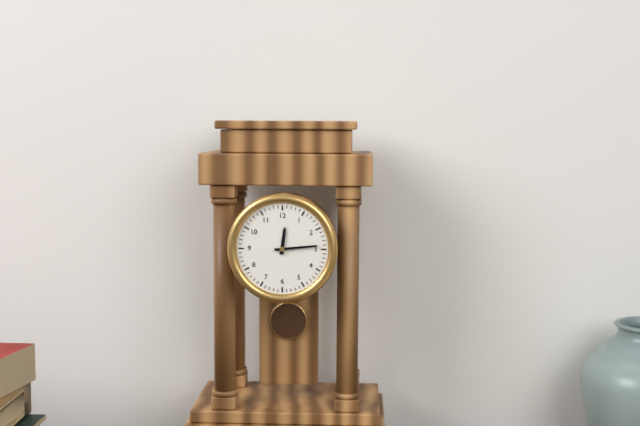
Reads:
{"hour": 12, "minute": 14}
